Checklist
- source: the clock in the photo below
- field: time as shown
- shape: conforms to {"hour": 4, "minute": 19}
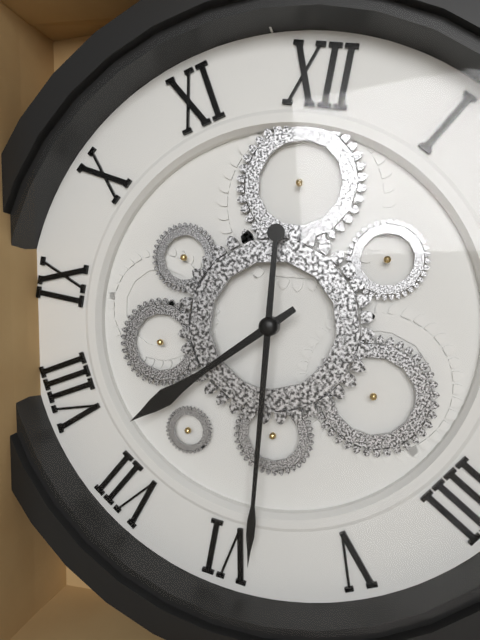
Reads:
{"hour": 7, "minute": 29}
